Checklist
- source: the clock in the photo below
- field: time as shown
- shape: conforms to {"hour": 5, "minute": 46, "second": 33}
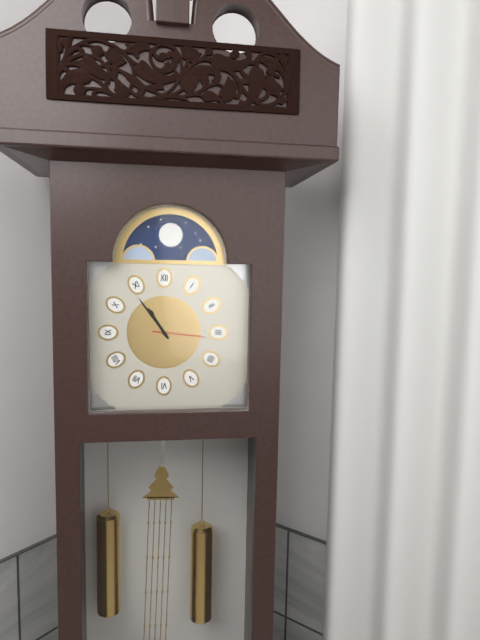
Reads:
{"hour": 10, "minute": 54, "second": 16}
